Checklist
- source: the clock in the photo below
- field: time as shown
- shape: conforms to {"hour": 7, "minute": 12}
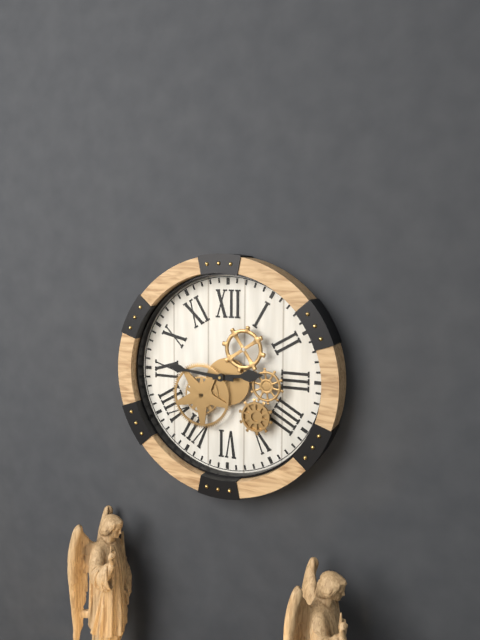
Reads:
{"hour": 2, "minute": 46}
